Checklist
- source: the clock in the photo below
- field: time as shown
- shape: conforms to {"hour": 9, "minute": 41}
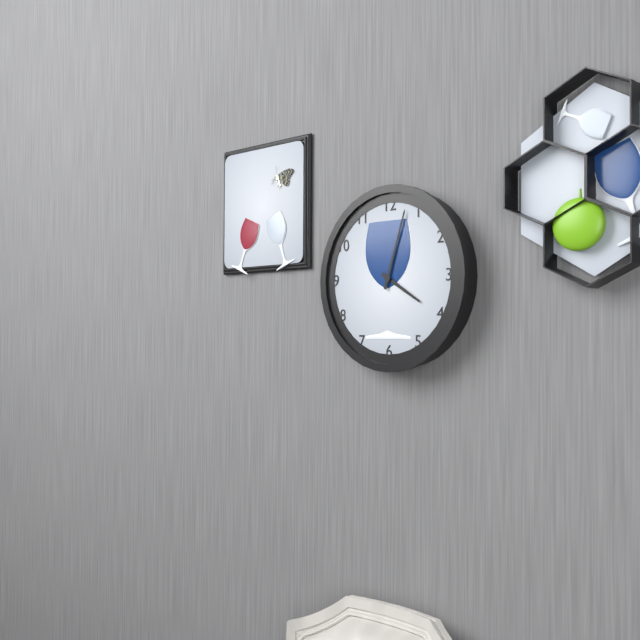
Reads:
{"hour": 4, "minute": 3}
